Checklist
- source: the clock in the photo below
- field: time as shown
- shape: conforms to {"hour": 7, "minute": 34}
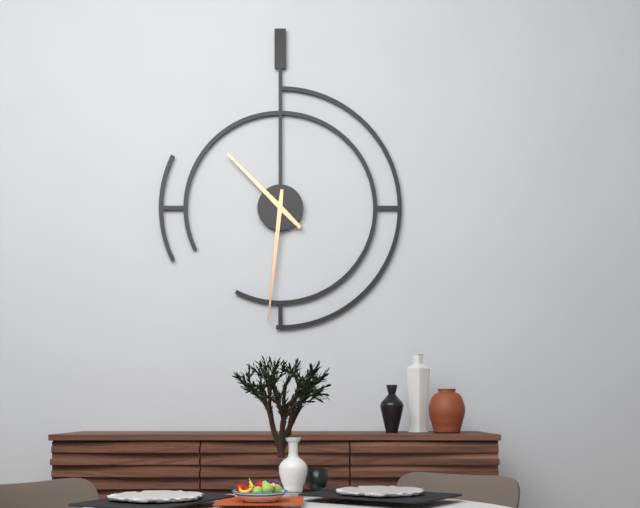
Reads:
{"hour": 10, "minute": 31}
